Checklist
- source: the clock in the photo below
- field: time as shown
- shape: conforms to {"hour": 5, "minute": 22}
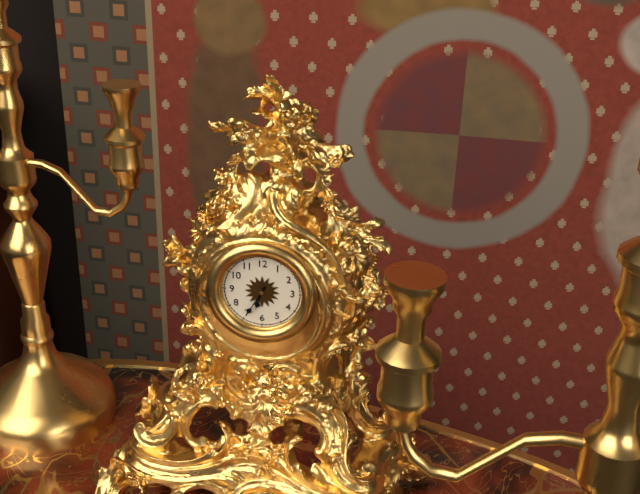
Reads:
{"hour": 6, "minute": 35}
